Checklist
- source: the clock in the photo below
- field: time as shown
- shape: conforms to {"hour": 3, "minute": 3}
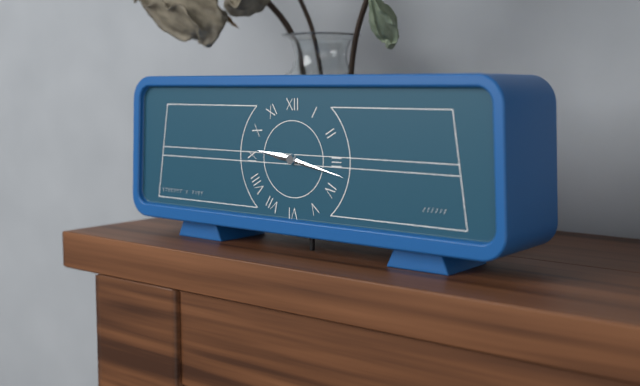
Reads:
{"hour": 9, "minute": 17}
